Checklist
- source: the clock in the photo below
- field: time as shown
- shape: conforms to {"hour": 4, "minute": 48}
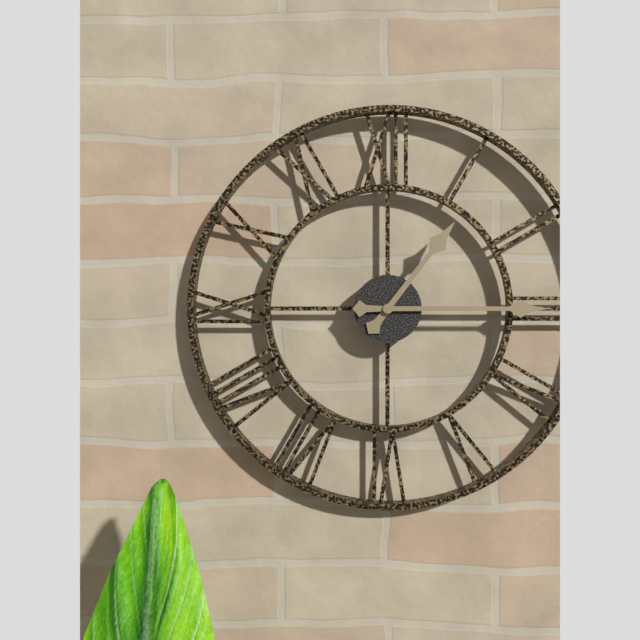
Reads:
{"hour": 1, "minute": 15}
